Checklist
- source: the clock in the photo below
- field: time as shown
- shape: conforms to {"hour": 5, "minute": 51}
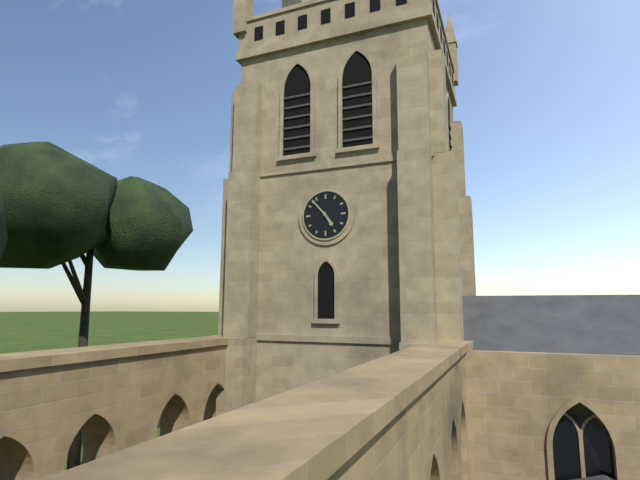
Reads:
{"hour": 4, "minute": 53}
